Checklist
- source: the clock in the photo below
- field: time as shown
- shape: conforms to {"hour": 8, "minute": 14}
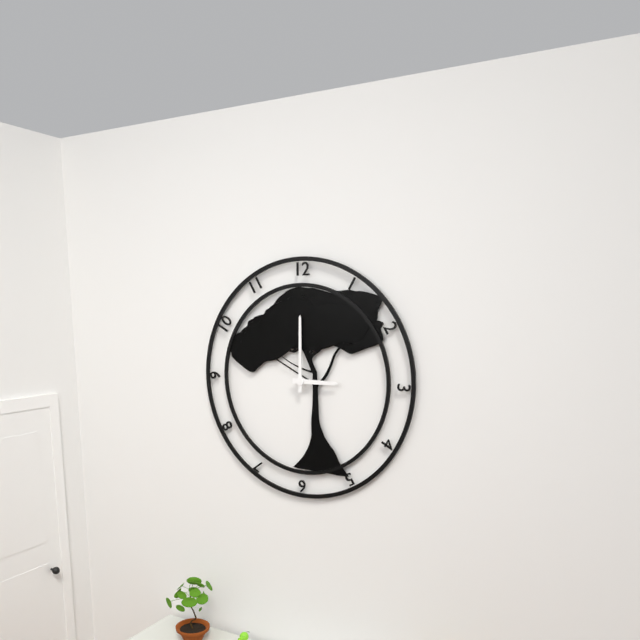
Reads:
{"hour": 3, "minute": 0}
